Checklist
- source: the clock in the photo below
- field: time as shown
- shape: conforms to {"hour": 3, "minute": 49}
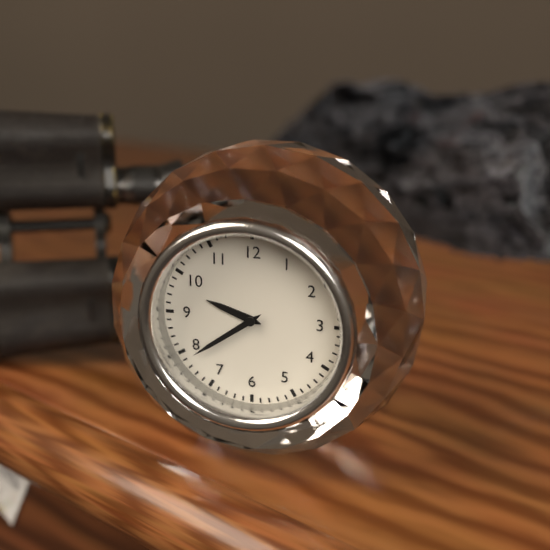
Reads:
{"hour": 9, "minute": 39}
